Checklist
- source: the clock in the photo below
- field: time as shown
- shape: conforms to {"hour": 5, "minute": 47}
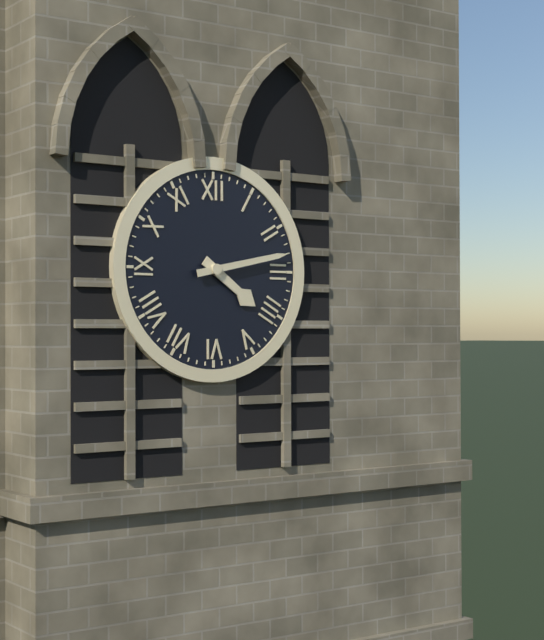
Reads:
{"hour": 4, "minute": 13}
